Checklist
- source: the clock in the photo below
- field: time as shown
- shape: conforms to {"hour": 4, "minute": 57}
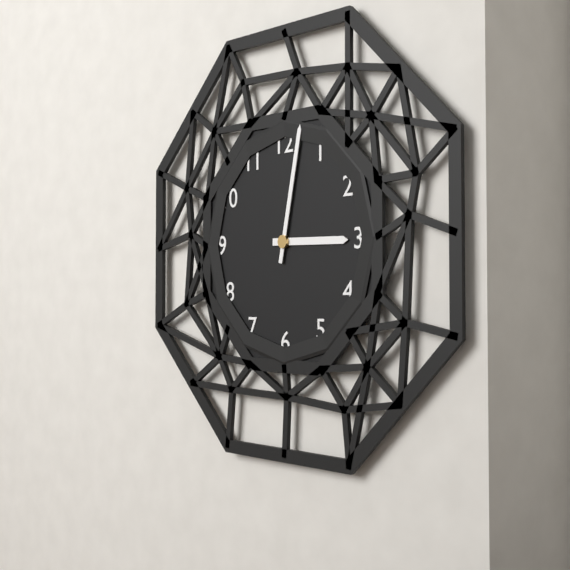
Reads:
{"hour": 3, "minute": 2}
